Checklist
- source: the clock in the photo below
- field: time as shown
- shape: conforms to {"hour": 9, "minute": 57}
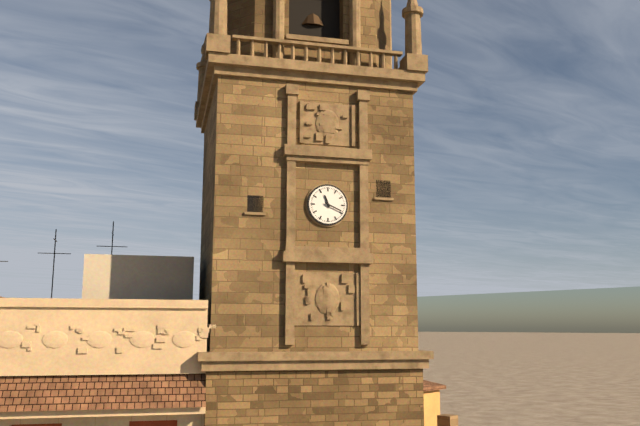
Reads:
{"hour": 11, "minute": 19}
